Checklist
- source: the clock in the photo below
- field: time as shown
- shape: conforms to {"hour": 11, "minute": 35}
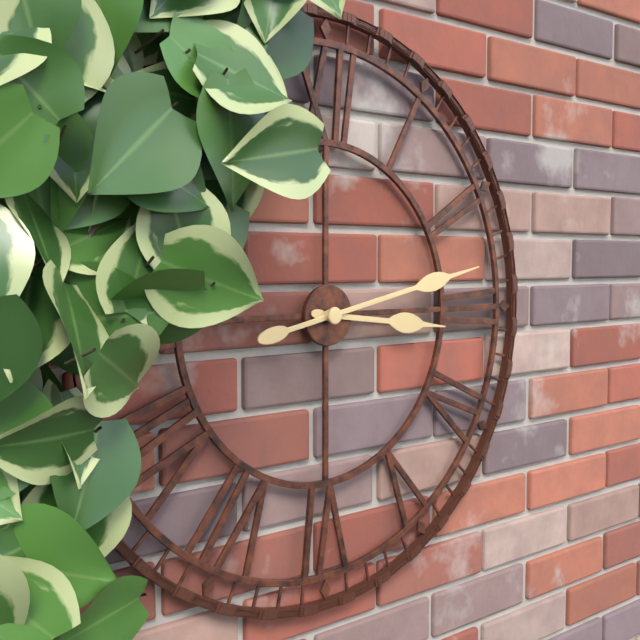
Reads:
{"hour": 3, "minute": 13}
